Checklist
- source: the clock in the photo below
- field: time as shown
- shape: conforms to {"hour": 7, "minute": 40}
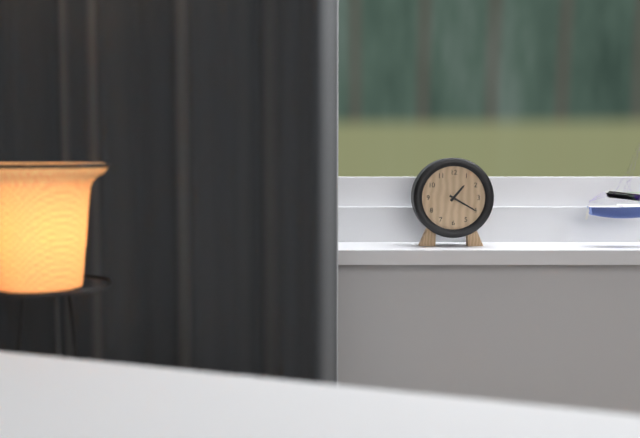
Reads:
{"hour": 1, "minute": 20}
